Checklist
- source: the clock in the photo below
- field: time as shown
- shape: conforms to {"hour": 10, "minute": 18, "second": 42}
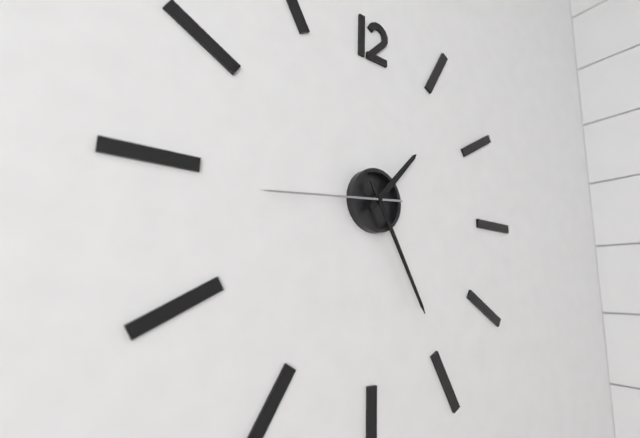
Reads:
{"hour": 1, "minute": 25, "second": 44}
